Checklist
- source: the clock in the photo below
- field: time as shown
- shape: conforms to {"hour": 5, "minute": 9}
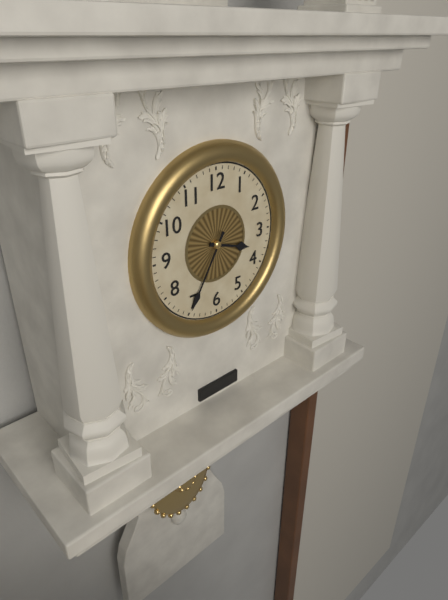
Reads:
{"hour": 3, "minute": 35}
